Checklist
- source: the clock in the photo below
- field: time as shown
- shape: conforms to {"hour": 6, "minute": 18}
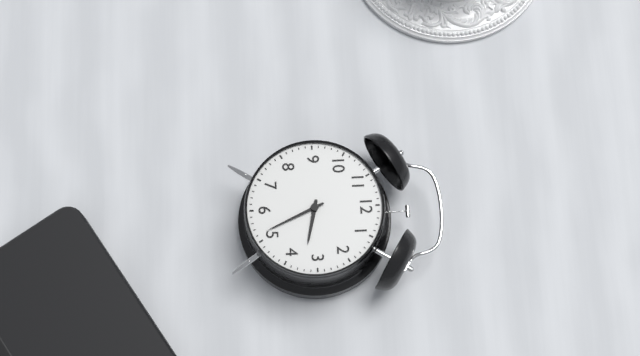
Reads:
{"hour": 3, "minute": 26}
